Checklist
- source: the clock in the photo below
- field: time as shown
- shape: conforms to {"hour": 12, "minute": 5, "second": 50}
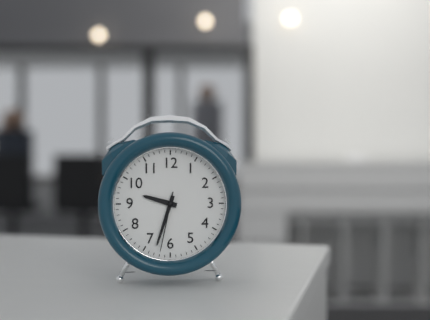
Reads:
{"hour": 9, "minute": 33, "second": 32}
